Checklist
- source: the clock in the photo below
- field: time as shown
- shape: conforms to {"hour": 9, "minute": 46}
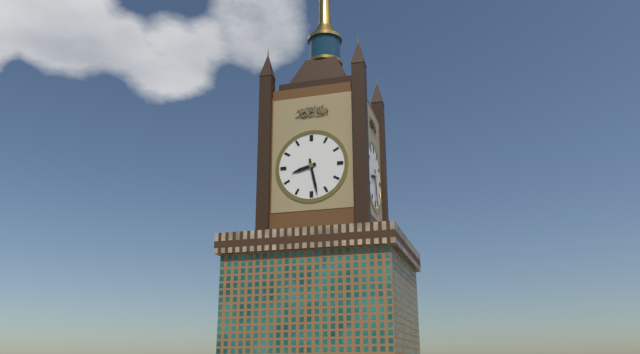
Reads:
{"hour": 8, "minute": 28}
